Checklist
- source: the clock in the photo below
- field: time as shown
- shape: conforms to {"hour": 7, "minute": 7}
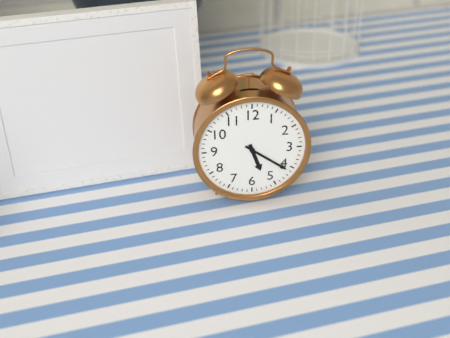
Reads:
{"hour": 5, "minute": 21}
